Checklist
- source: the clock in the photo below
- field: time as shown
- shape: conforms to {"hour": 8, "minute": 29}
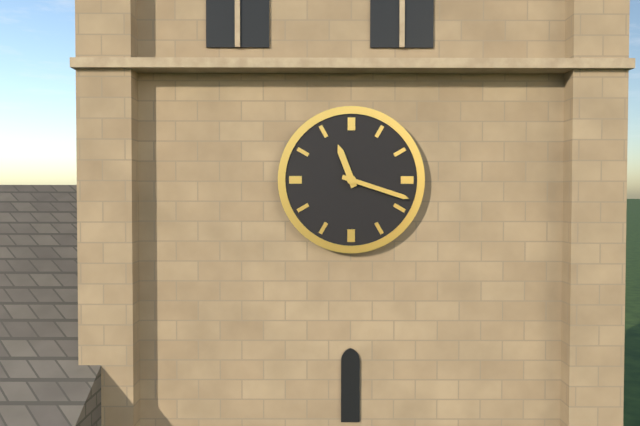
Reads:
{"hour": 11, "minute": 18}
